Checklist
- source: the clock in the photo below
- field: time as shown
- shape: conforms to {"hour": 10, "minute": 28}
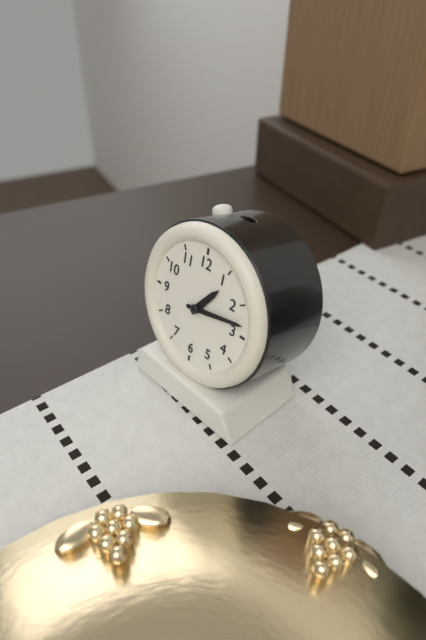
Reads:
{"hour": 1, "minute": 13}
